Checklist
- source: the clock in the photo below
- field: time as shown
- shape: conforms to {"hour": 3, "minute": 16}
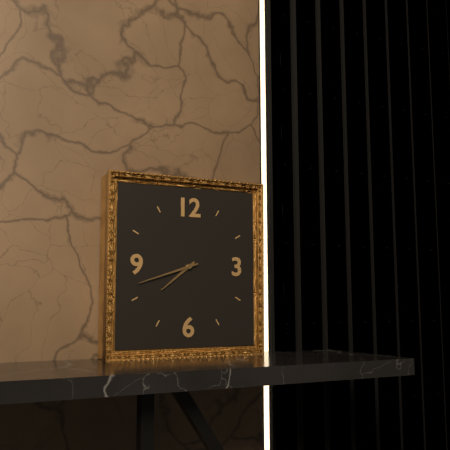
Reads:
{"hour": 7, "minute": 42}
